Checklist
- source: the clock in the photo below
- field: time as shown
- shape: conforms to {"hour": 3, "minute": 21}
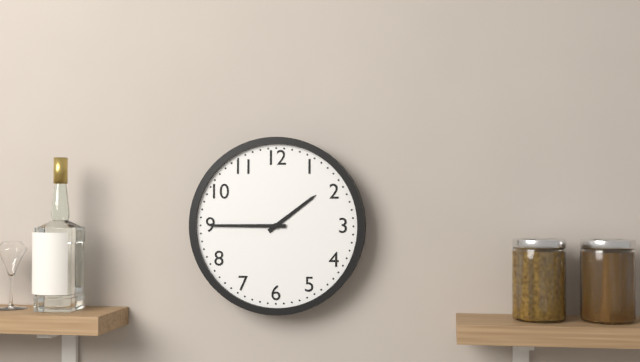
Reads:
{"hour": 1, "minute": 45}
